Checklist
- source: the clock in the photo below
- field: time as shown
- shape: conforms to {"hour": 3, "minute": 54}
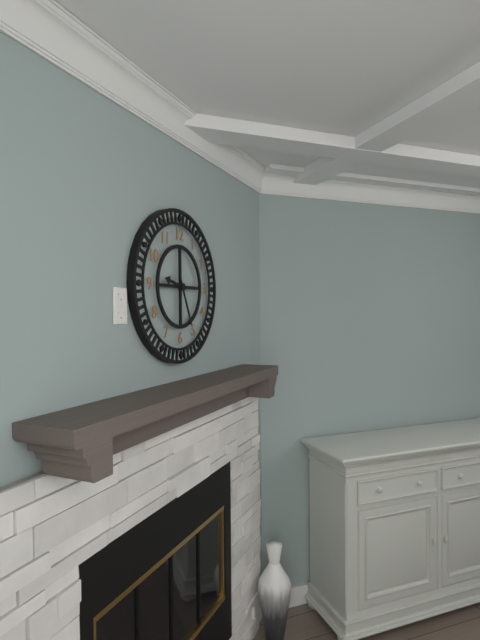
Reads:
{"hour": 9, "minute": 26}
